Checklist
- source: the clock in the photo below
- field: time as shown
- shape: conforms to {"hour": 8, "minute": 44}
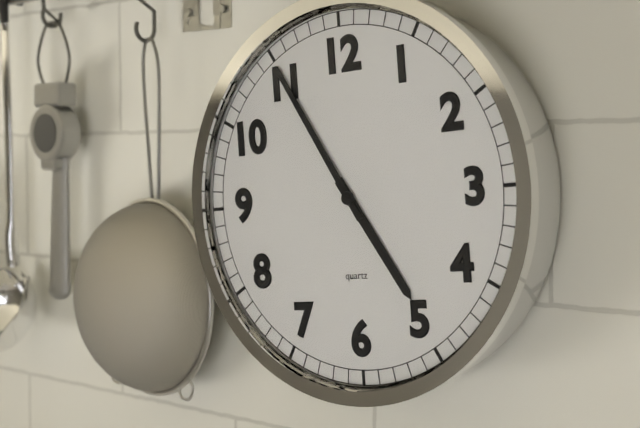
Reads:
{"hour": 4, "minute": 55}
